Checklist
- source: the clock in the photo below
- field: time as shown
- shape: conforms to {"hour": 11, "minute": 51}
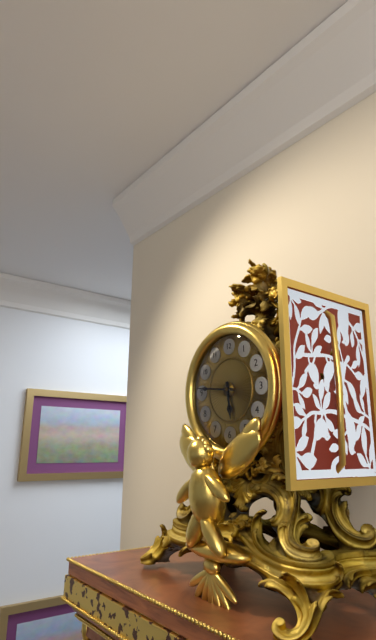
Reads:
{"hour": 5, "minute": 46}
